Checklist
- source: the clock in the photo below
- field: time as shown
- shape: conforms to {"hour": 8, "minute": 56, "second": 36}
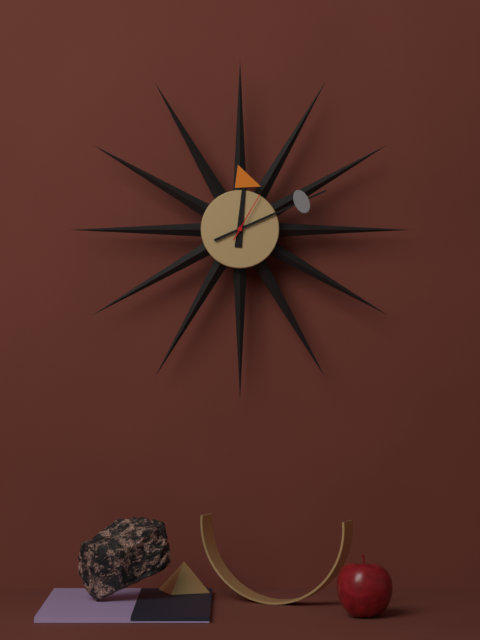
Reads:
{"hour": 12, "minute": 11, "second": 5}
